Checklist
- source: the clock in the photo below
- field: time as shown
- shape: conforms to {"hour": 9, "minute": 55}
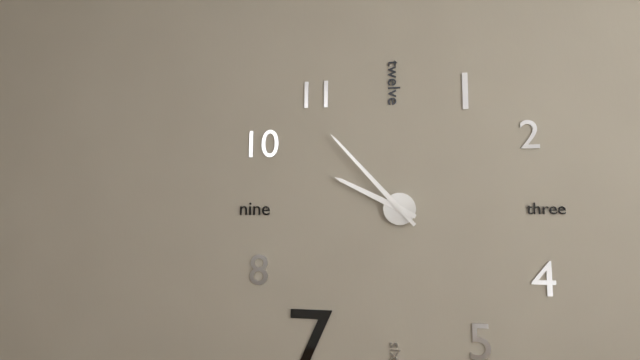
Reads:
{"hour": 9, "minute": 53}
